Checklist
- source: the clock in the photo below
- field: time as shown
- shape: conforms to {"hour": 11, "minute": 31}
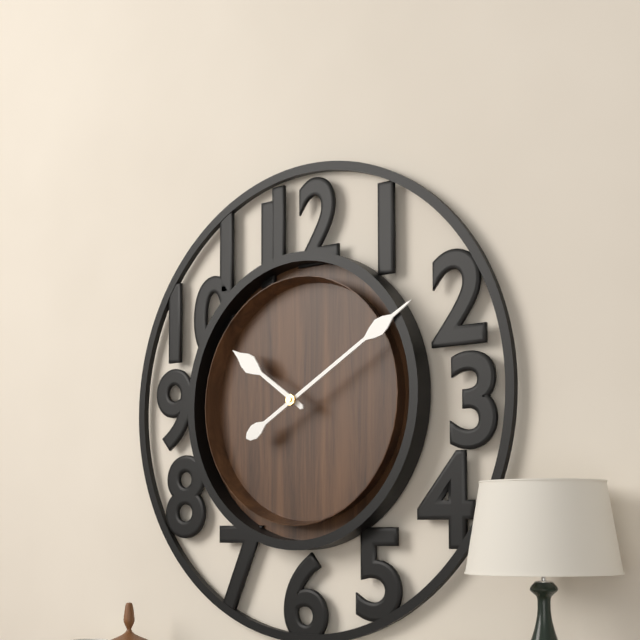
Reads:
{"hour": 10, "minute": 10}
